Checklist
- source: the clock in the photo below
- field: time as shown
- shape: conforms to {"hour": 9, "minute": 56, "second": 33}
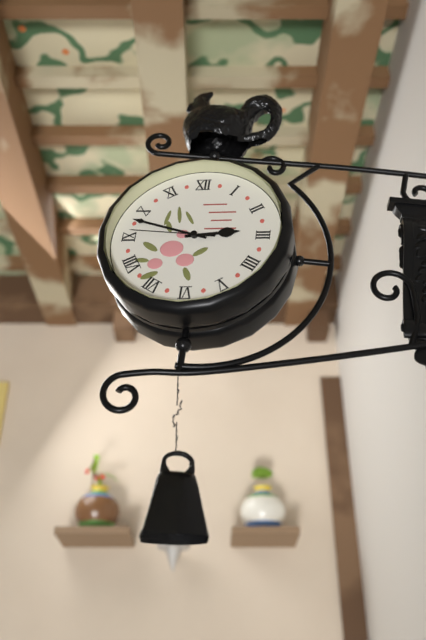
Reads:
{"hour": 2, "minute": 48, "second": 46}
